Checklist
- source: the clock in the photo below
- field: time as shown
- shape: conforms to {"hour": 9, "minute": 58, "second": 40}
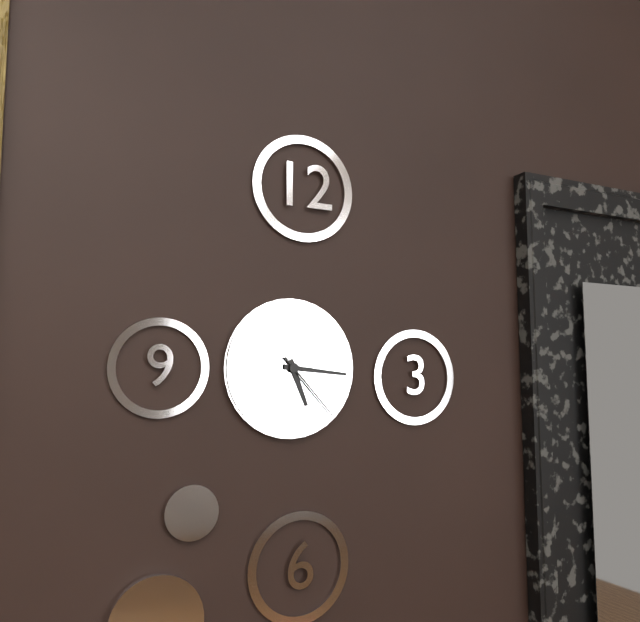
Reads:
{"hour": 5, "minute": 16, "second": 23}
